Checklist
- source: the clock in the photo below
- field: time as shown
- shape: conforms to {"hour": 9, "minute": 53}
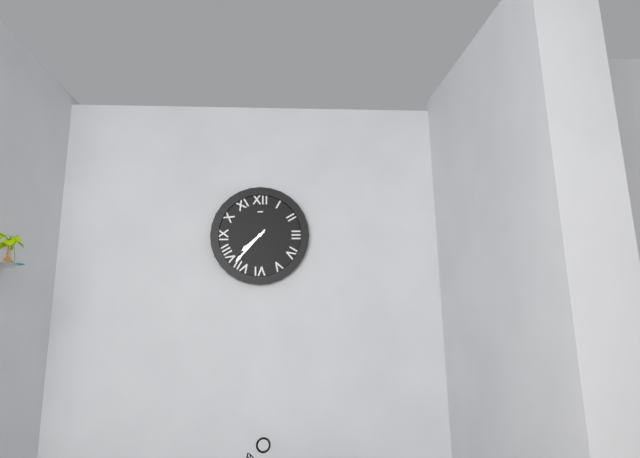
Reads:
{"hour": 7, "minute": 37}
